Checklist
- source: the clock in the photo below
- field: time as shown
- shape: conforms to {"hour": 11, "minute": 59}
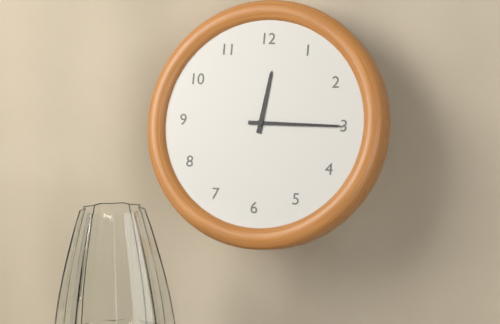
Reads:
{"hour": 12, "minute": 15}
